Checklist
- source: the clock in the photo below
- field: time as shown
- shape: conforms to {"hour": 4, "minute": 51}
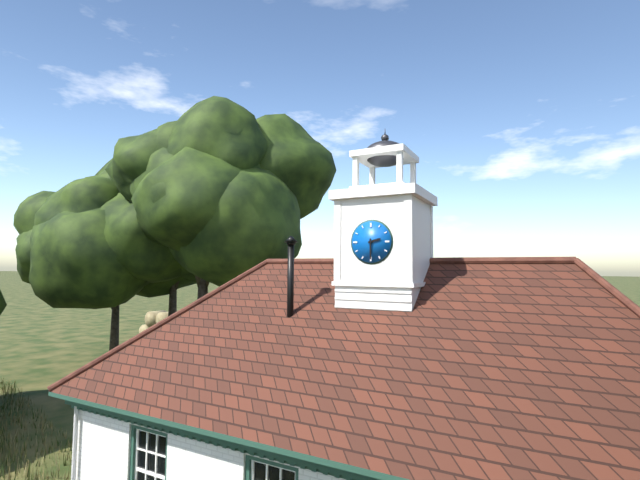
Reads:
{"hour": 2, "minute": 30}
